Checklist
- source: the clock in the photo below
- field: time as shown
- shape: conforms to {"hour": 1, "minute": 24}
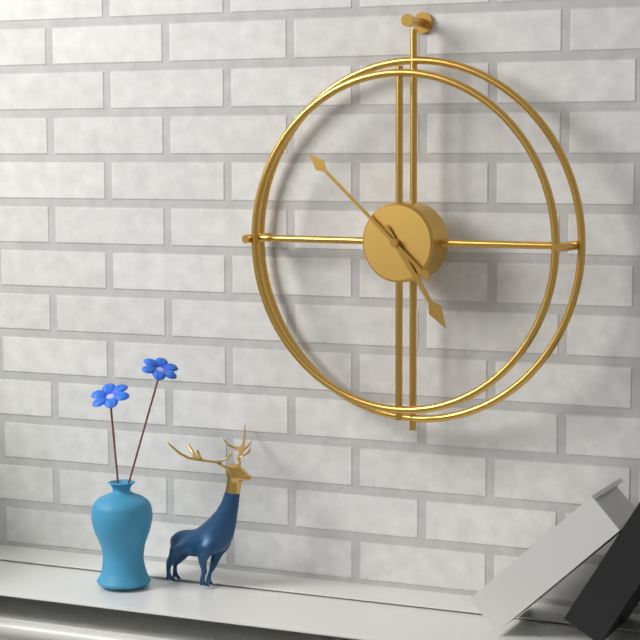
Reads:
{"hour": 4, "minute": 52}
